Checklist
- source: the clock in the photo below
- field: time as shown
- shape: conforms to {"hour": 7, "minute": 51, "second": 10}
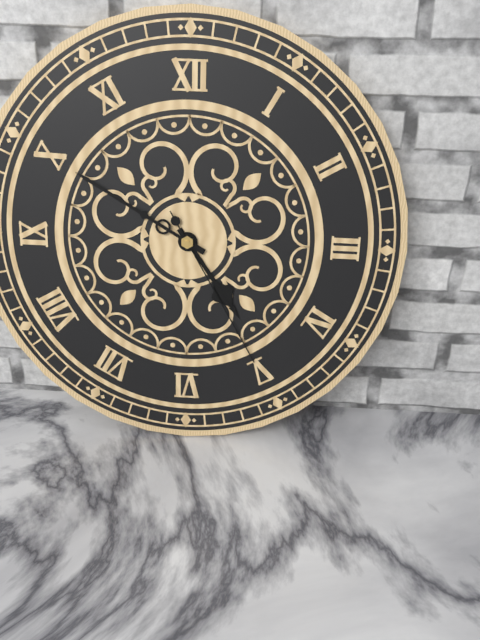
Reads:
{"hour": 4, "minute": 50, "second": 25}
